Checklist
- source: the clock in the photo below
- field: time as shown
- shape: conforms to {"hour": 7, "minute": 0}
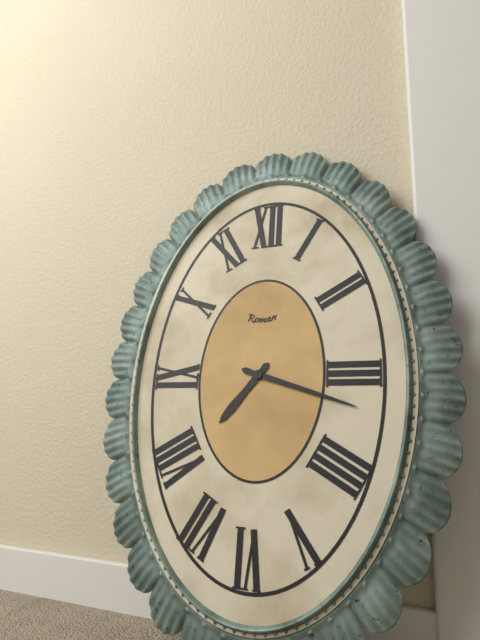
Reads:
{"hour": 7, "minute": 18}
